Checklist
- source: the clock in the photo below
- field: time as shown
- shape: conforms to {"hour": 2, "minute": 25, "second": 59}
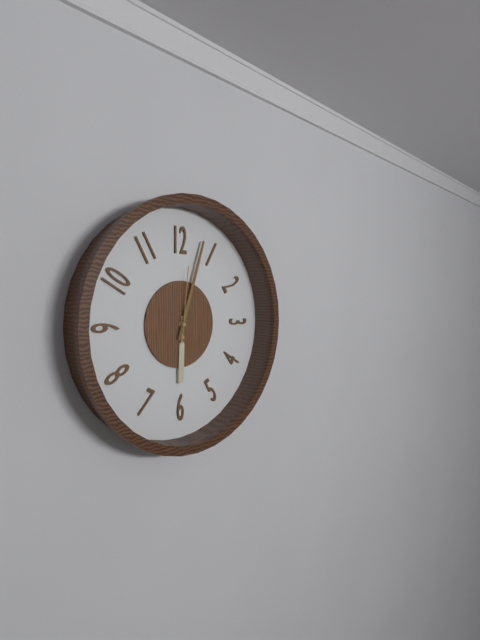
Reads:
{"hour": 6, "minute": 3, "second": 1}
